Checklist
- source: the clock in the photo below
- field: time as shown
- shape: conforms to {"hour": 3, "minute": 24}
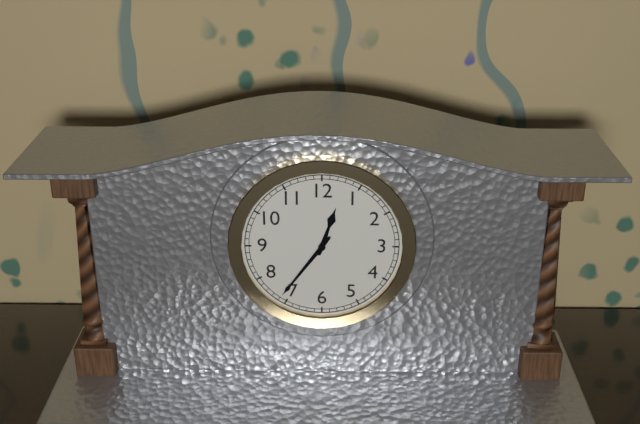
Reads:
{"hour": 12, "minute": 36}
